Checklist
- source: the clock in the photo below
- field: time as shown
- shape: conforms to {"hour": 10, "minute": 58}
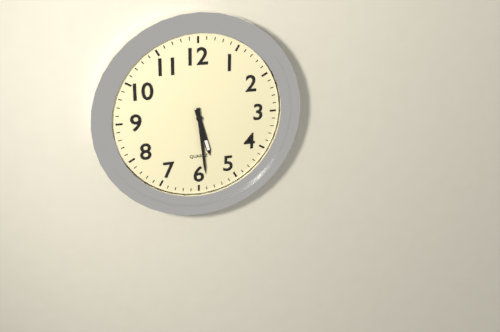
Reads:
{"hour": 5, "minute": 29}
